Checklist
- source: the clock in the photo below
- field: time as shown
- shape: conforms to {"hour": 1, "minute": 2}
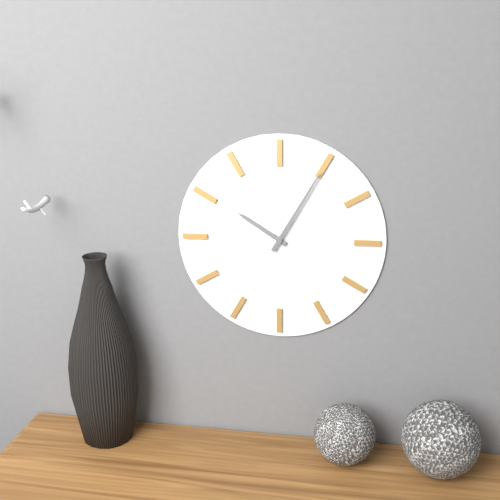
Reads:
{"hour": 10, "minute": 5}
